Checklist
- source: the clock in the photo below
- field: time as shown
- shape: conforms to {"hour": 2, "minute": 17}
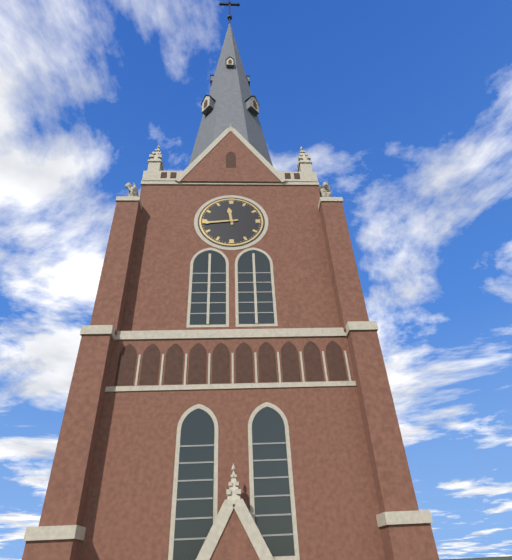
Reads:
{"hour": 11, "minute": 44}
